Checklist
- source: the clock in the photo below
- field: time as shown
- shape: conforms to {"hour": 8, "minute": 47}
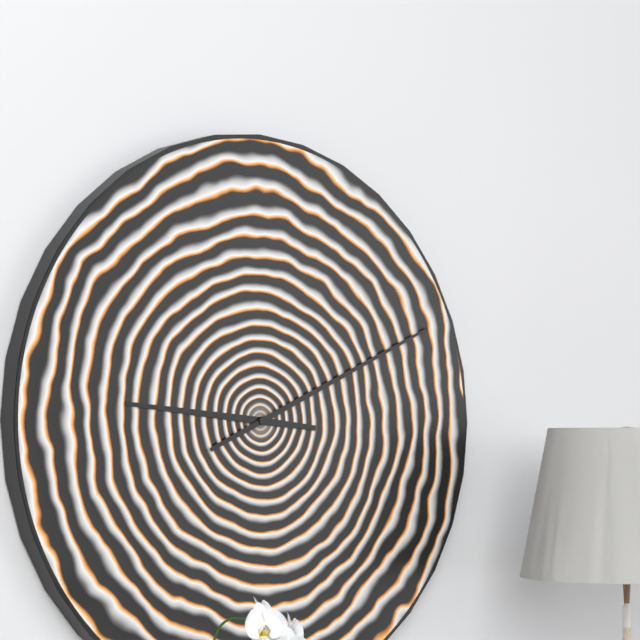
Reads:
{"hour": 9, "minute": 11}
